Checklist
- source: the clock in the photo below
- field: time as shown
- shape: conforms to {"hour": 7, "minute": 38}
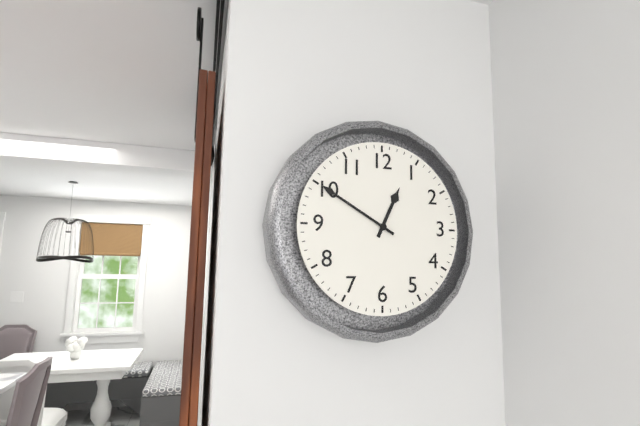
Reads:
{"hour": 12, "minute": 50}
